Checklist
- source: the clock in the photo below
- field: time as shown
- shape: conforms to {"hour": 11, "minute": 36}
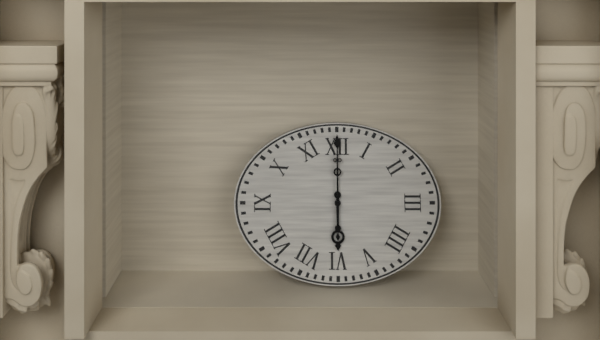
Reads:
{"hour": 6, "minute": 0}
